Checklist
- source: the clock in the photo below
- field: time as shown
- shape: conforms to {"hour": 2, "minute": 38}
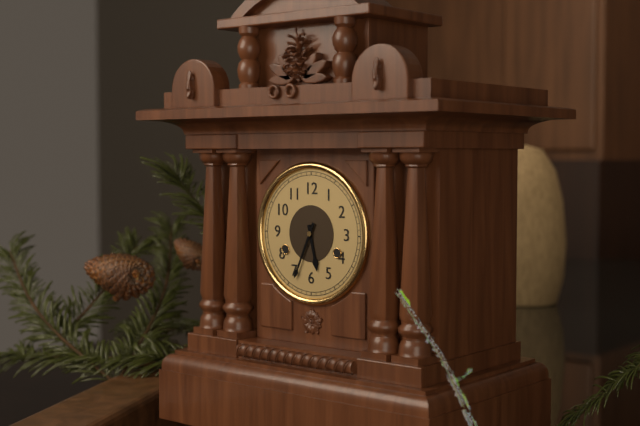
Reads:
{"hour": 5, "minute": 34}
